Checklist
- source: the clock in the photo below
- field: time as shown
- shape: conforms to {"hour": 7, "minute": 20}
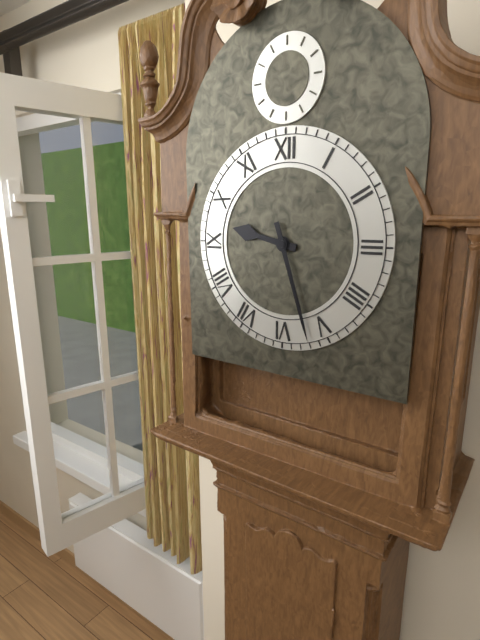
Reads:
{"hour": 9, "minute": 27}
